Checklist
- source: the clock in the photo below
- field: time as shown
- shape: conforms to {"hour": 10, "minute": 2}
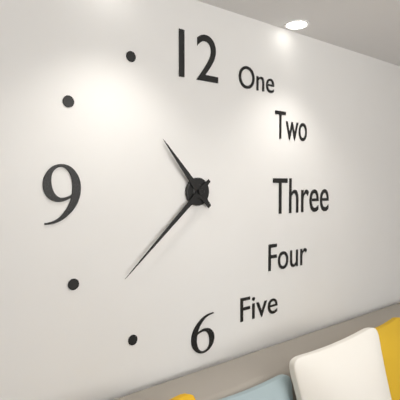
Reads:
{"hour": 10, "minute": 38}
